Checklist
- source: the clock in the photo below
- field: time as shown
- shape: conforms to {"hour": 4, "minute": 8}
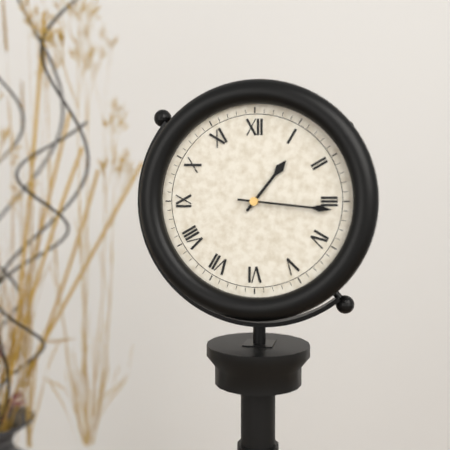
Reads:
{"hour": 1, "minute": 16}
